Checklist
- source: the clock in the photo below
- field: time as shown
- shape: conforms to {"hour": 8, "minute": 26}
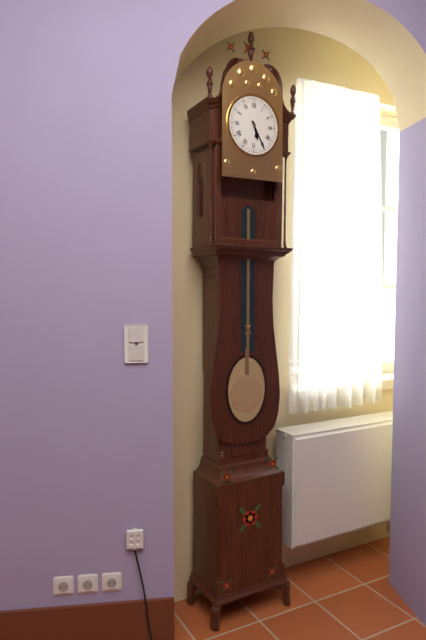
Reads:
{"hour": 5, "minute": 25}
